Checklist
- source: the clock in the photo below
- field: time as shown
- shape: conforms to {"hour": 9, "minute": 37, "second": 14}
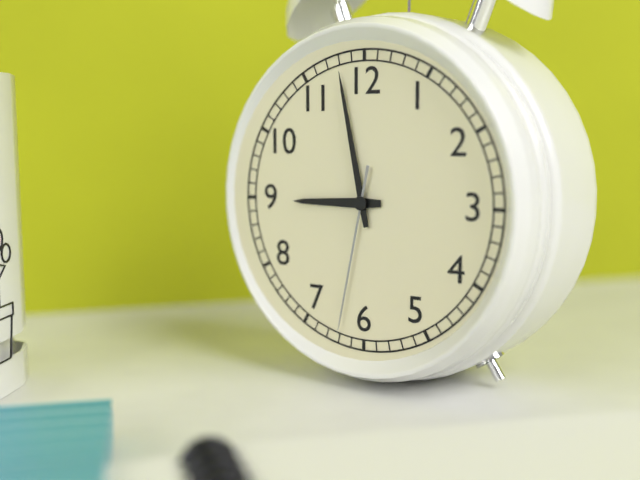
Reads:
{"hour": 8, "minute": 58, "second": 32}
